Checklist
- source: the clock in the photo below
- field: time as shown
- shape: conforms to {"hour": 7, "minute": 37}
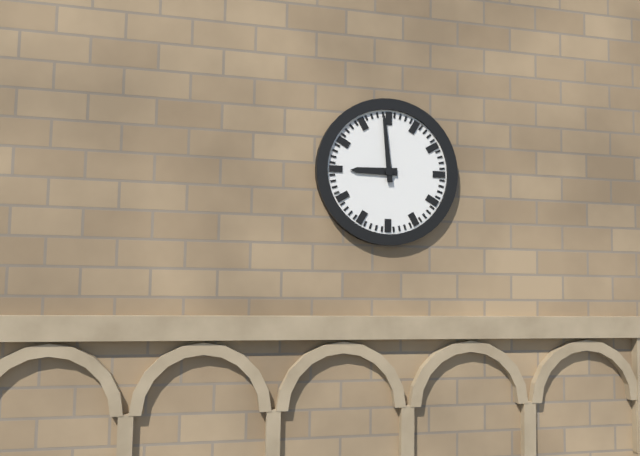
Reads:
{"hour": 8, "minute": 59}
